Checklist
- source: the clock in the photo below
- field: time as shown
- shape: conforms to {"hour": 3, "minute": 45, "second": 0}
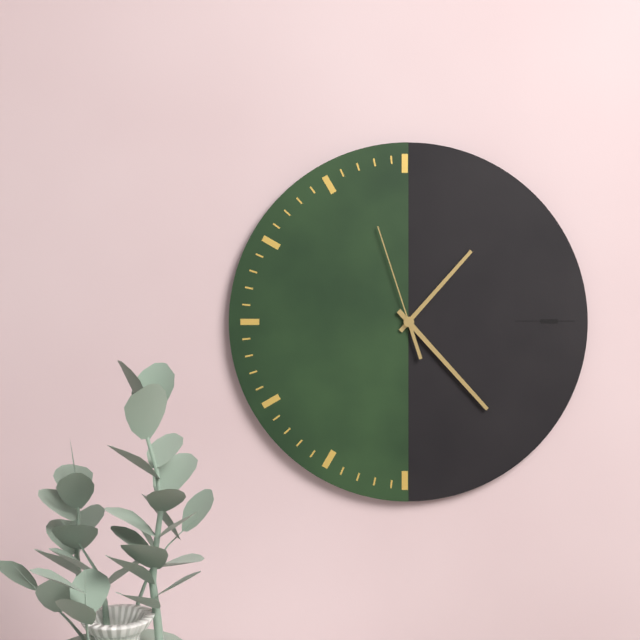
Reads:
{"hour": 1, "minute": 23, "second": 57}
